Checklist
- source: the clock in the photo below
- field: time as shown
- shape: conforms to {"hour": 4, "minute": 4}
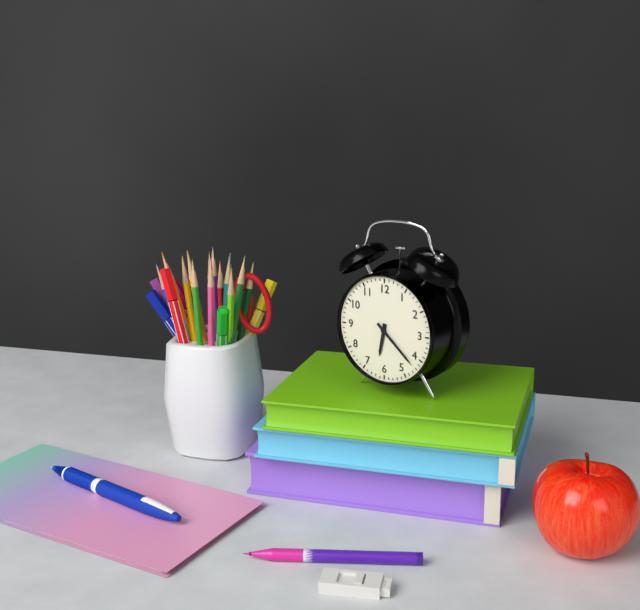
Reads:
{"hour": 6, "minute": 22}
